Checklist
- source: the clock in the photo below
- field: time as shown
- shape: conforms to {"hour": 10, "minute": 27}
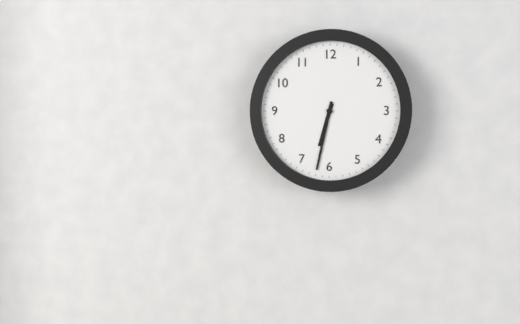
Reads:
{"hour": 6, "minute": 32}
